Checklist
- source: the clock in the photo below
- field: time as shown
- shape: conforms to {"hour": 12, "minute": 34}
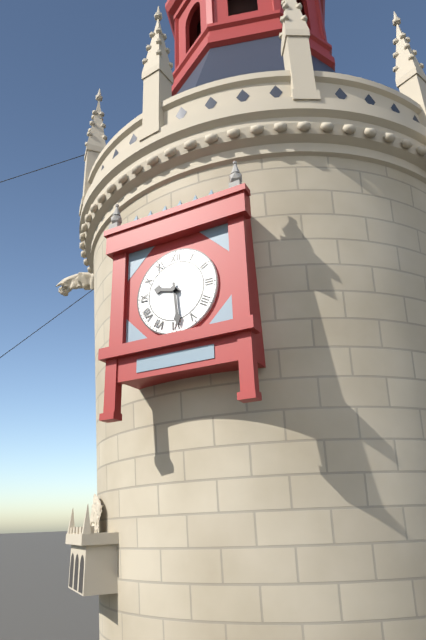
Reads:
{"hour": 9, "minute": 29}
